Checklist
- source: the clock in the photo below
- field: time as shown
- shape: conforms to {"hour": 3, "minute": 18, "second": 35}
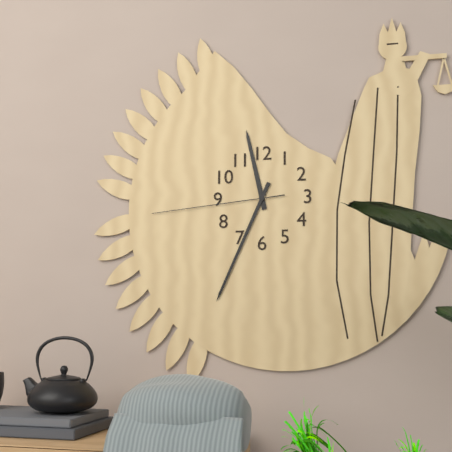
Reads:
{"hour": 11, "minute": 34, "second": 44}
